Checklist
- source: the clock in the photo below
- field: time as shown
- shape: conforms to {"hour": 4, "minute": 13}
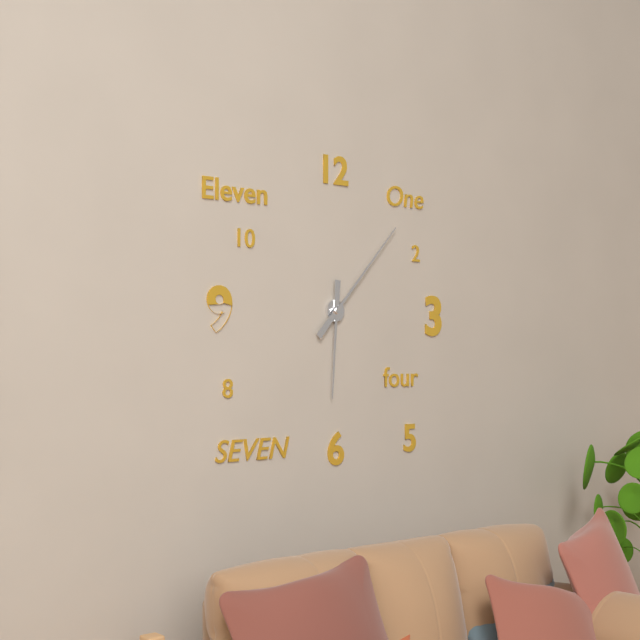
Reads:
{"hour": 6, "minute": 7}
